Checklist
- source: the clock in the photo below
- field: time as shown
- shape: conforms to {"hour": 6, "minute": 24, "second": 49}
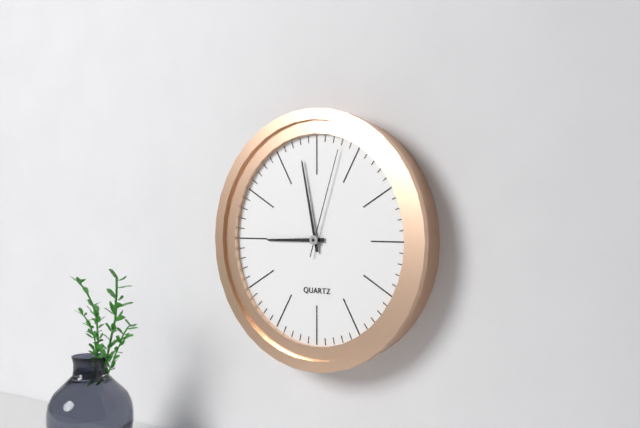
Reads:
{"hour": 8, "minute": 58, "second": 3}
